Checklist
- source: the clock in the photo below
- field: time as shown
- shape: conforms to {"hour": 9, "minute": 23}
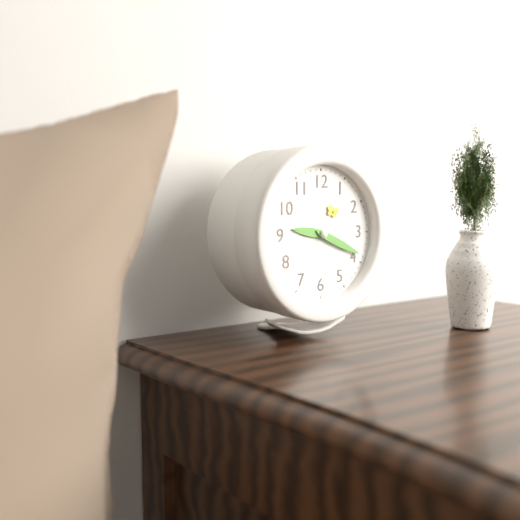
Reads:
{"hour": 9, "minute": 19}
